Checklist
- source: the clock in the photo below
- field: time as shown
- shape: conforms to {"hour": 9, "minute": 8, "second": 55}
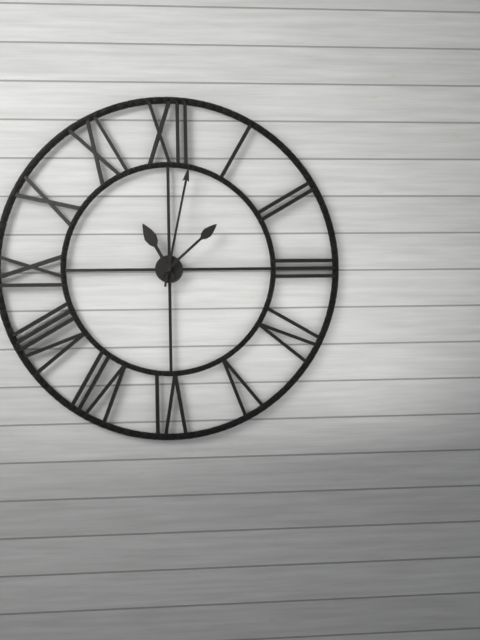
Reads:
{"hour": 11, "minute": 2, "second": 8}
